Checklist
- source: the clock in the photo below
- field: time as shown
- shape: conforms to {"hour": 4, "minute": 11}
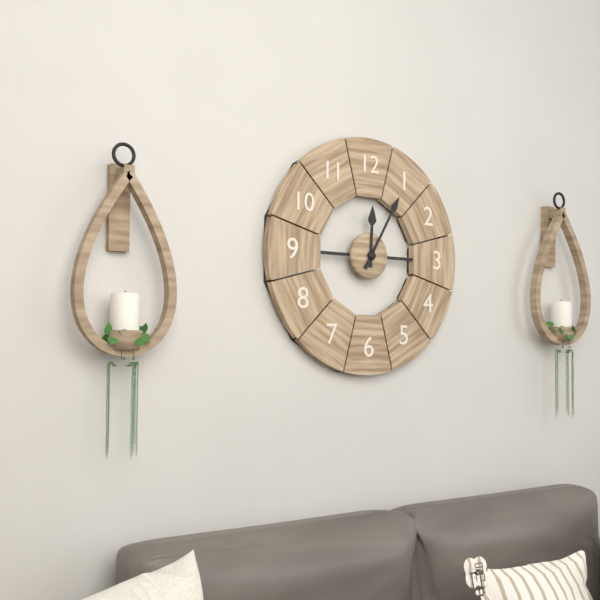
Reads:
{"hour": 12, "minute": 5}
